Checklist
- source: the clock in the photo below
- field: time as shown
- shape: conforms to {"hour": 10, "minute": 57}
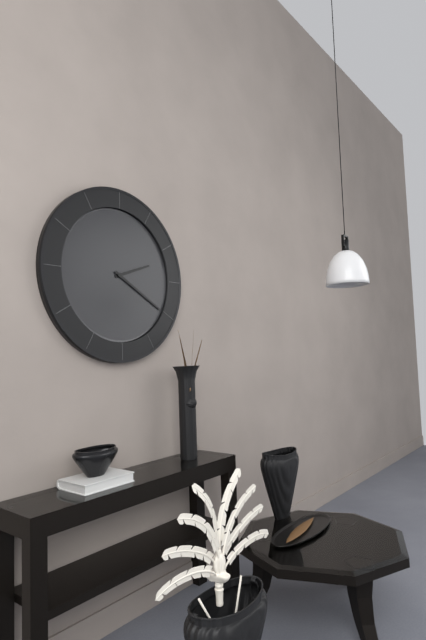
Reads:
{"hour": 2, "minute": 20}
